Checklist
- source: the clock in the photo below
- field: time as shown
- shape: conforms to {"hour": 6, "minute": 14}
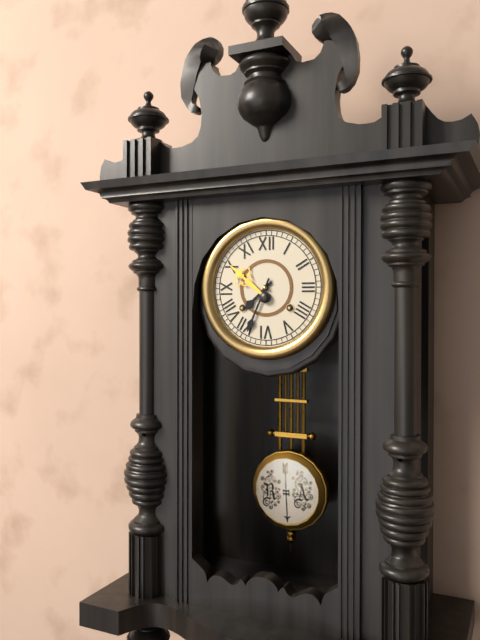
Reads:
{"hour": 7, "minute": 34}
